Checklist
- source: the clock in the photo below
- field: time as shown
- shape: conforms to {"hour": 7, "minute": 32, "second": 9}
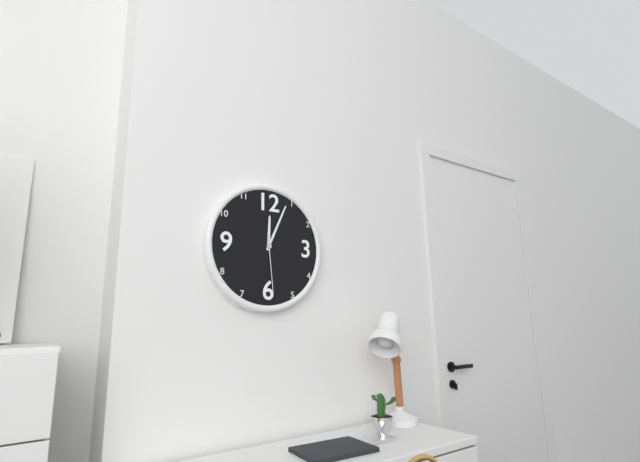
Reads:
{"hour": 12, "minute": 4, "second": 29}
